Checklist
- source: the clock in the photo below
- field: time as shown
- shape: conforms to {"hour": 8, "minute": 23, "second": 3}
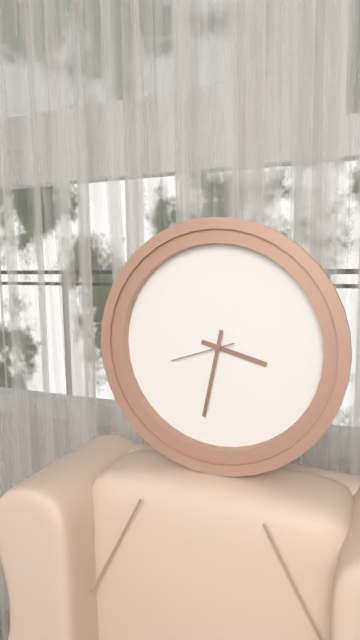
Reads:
{"hour": 3, "minute": 32, "second": 42}
